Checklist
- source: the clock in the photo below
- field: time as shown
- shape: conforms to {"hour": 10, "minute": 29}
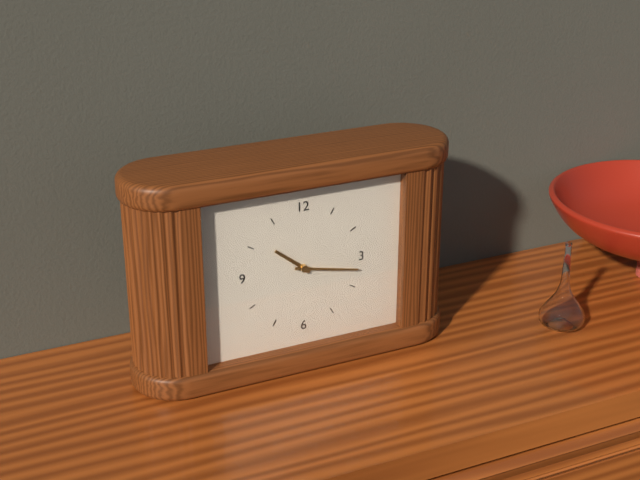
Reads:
{"hour": 10, "minute": 17}
